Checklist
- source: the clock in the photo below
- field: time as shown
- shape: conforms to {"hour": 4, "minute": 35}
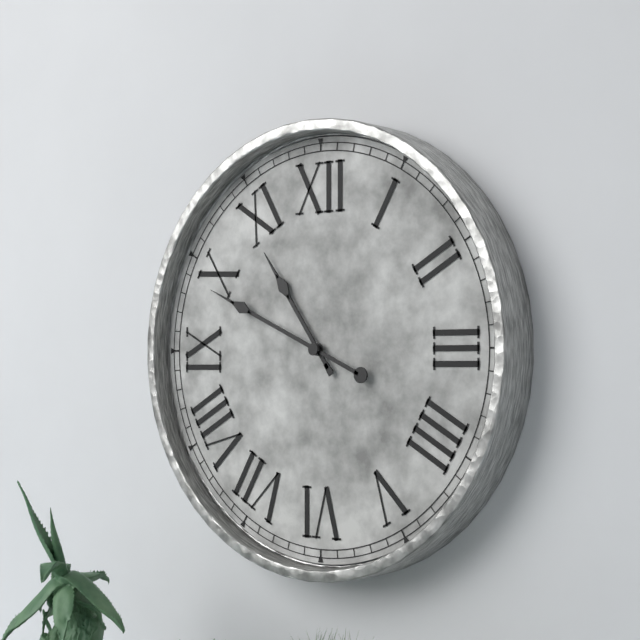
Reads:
{"hour": 10, "minute": 49}
